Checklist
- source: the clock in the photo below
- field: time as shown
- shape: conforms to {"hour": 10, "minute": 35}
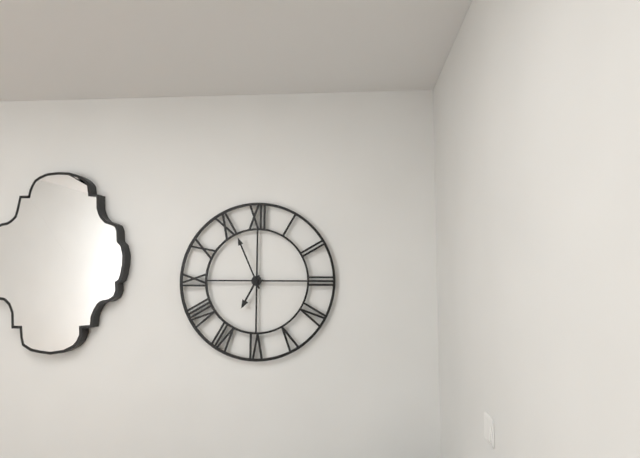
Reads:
{"hour": 6, "minute": 56}
